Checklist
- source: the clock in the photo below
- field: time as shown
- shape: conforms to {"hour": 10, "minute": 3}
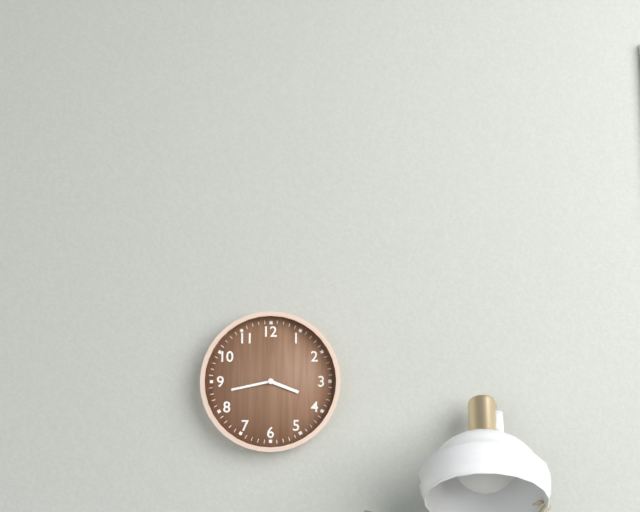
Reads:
{"hour": 3, "minute": 43}
